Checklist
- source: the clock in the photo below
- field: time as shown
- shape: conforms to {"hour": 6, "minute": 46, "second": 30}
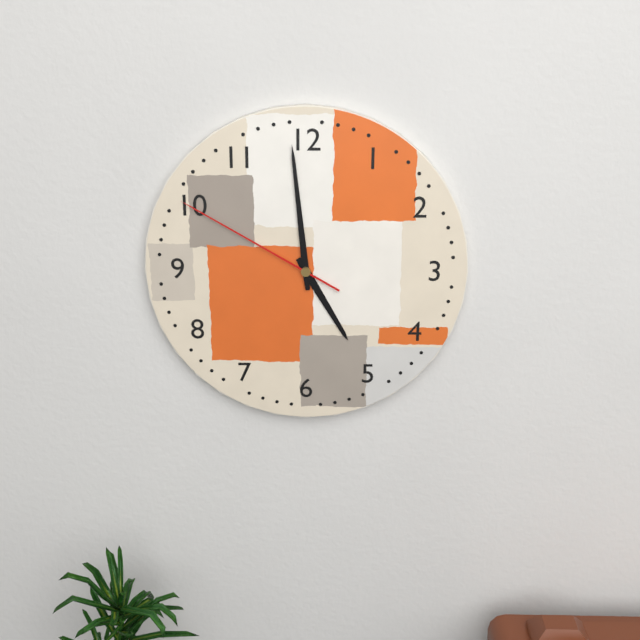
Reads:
{"hour": 4, "minute": 59, "second": 50}
